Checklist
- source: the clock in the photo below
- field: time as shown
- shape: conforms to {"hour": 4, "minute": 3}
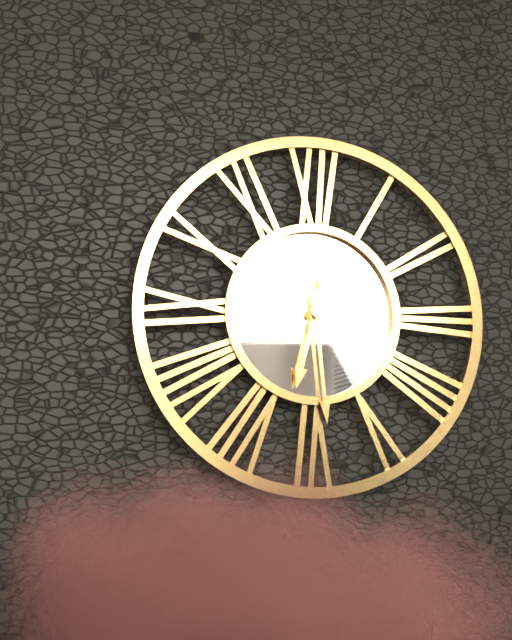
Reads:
{"hour": 6, "minute": 29}
